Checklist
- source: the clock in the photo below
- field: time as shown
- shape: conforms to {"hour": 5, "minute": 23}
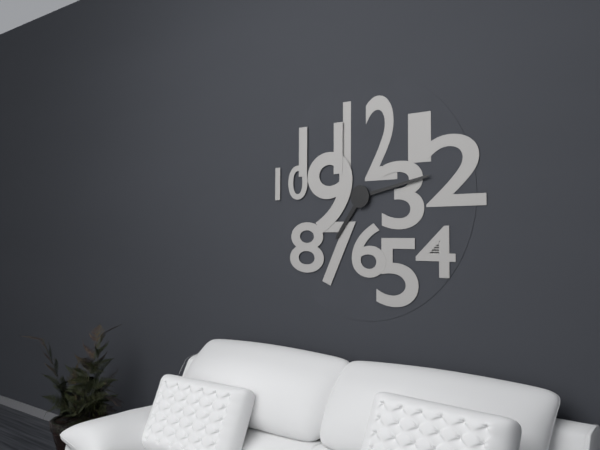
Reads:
{"hour": 7, "minute": 13}
